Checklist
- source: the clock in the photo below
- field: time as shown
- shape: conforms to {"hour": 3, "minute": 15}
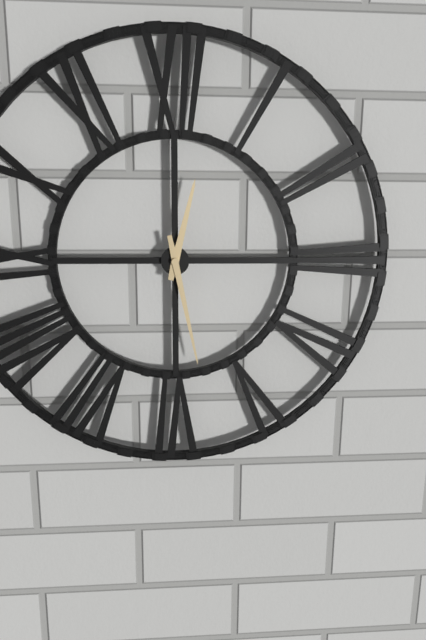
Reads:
{"hour": 12, "minute": 28}
